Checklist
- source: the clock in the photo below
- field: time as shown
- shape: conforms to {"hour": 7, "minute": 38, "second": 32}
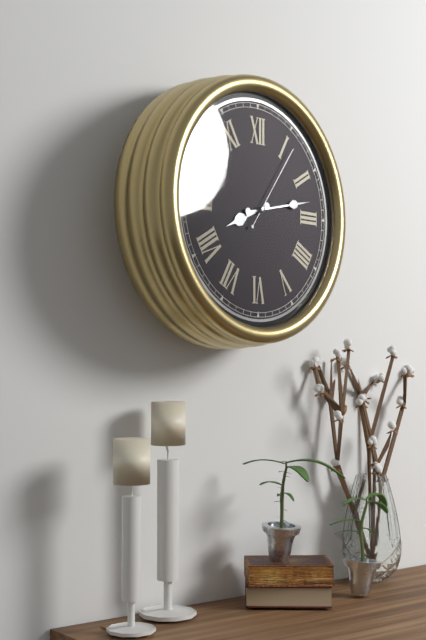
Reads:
{"hour": 8, "minute": 13, "second": 6}
